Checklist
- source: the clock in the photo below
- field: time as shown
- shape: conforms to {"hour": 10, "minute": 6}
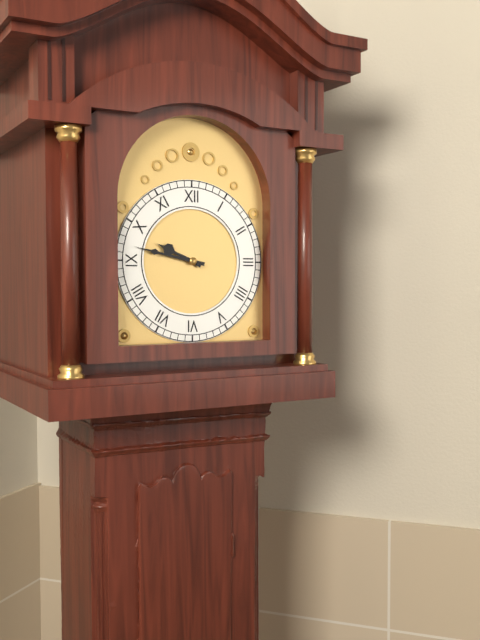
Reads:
{"hour": 9, "minute": 47}
